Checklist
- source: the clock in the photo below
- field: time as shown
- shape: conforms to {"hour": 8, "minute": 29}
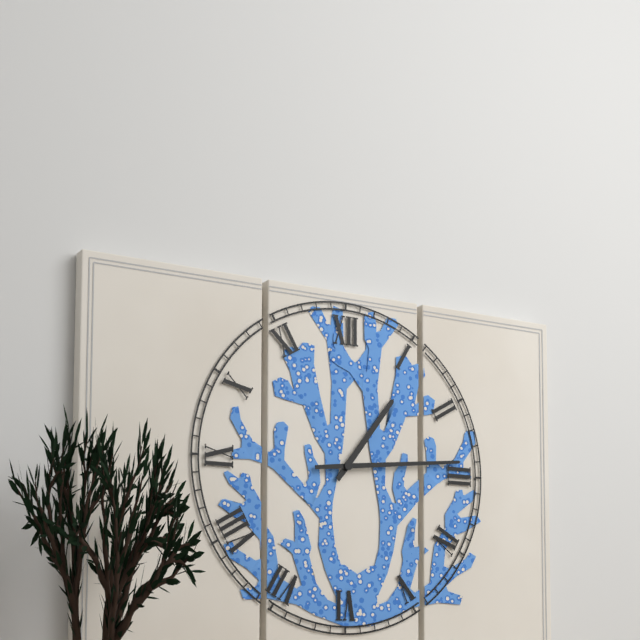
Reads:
{"hour": 1, "minute": 14}
